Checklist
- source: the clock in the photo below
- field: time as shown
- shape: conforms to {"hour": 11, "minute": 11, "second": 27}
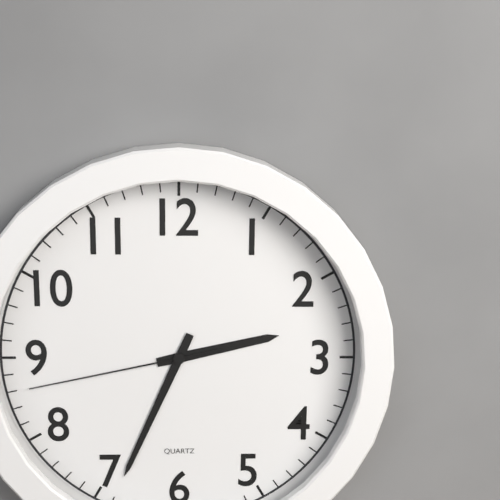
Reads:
{"hour": 2, "minute": 34, "second": 43}
